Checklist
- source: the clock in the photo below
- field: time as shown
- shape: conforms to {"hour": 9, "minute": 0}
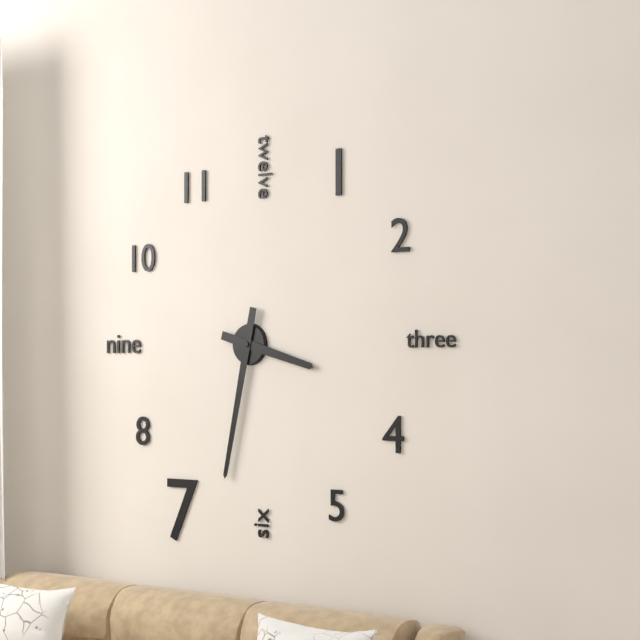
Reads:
{"hour": 3, "minute": 32}
